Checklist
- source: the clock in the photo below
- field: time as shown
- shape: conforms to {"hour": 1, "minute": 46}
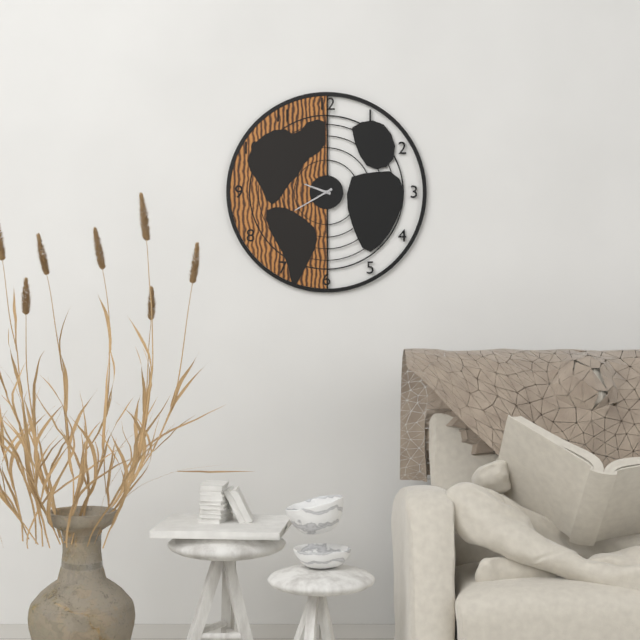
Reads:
{"hour": 9, "minute": 40}
